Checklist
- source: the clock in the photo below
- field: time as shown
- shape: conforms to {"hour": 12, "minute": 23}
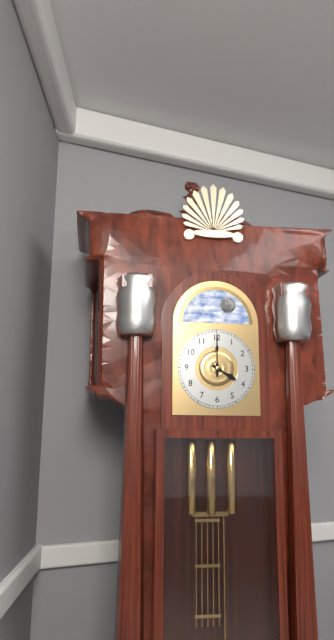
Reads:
{"hour": 4, "minute": 0}
